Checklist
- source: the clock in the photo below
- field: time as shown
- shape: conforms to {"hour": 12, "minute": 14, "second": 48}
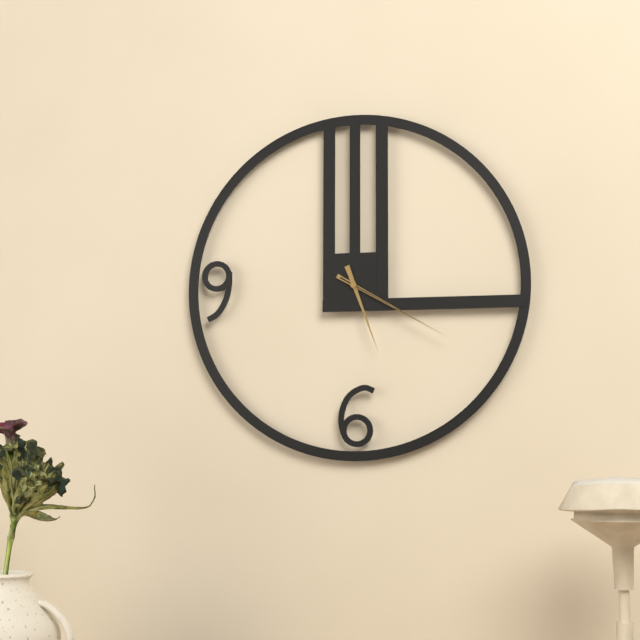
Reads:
{"hour": 5, "minute": 20, "second": 20}
